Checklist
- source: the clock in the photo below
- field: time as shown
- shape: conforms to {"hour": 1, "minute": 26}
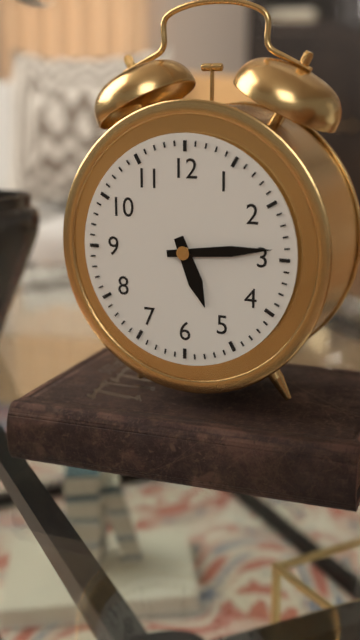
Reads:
{"hour": 5, "minute": 14}
